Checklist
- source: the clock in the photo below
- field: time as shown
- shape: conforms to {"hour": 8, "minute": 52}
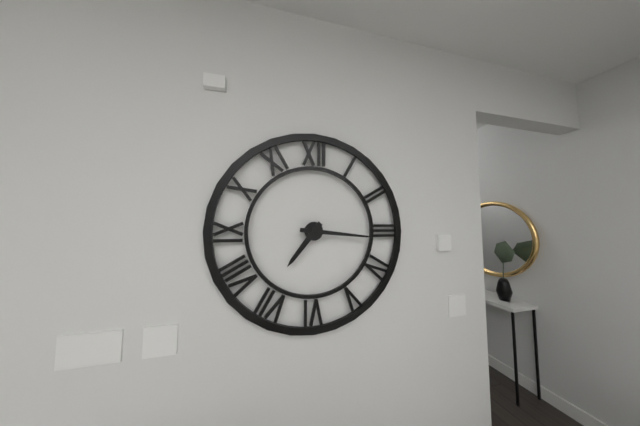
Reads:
{"hour": 7, "minute": 16}
